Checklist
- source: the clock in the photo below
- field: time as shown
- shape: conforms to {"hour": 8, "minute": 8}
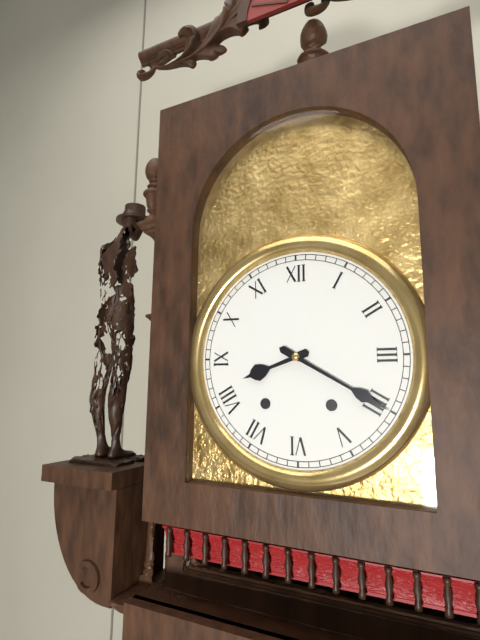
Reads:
{"hour": 8, "minute": 20}
